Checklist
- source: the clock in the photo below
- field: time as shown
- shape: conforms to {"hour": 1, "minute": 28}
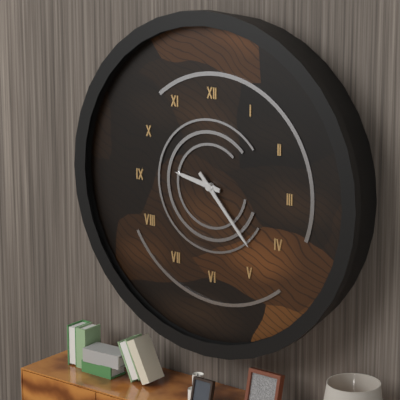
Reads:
{"hour": 9, "minute": 23}
